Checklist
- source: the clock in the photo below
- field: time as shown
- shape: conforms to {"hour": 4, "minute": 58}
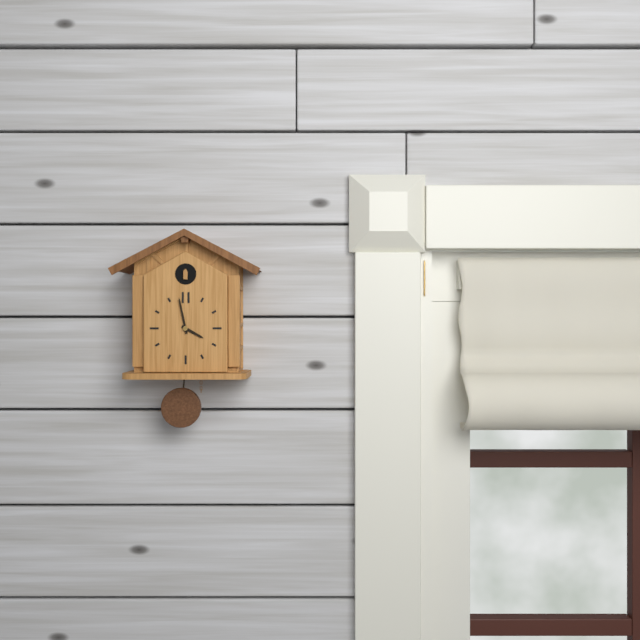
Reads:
{"hour": 3, "minute": 58}
